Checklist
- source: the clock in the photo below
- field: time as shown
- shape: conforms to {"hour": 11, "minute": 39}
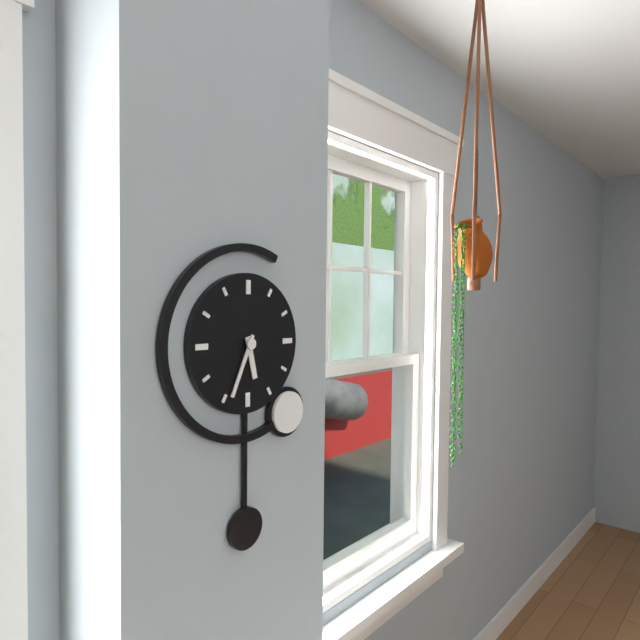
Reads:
{"hour": 5, "minute": 34}
